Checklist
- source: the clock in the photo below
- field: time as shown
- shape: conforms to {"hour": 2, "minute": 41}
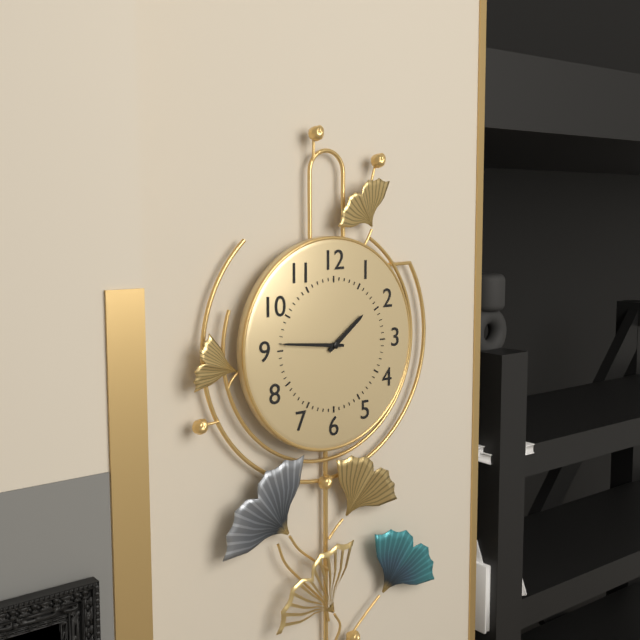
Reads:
{"hour": 1, "minute": 46}
